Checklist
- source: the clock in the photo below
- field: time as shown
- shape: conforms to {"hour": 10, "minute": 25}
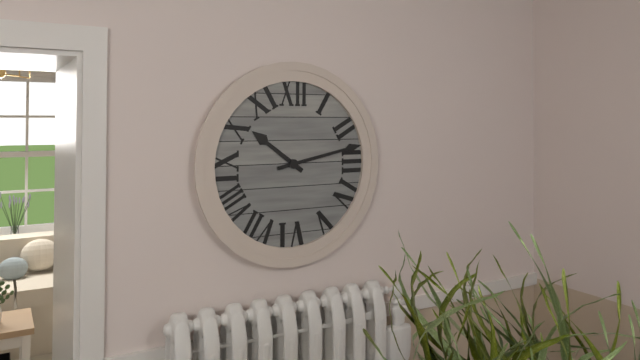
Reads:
{"hour": 10, "minute": 13}
